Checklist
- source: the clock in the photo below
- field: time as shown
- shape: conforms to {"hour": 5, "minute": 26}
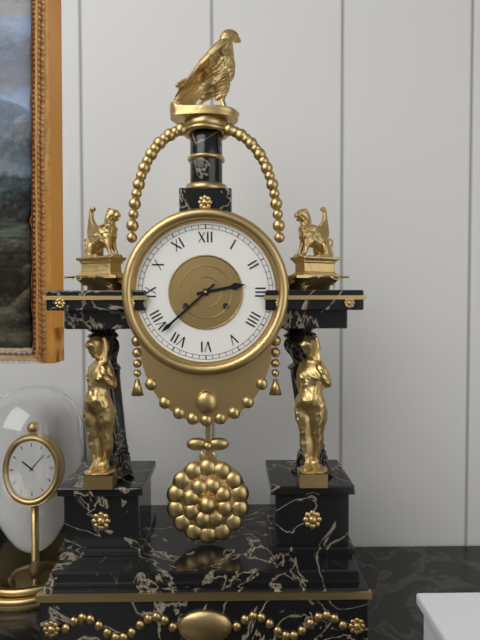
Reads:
{"hour": 2, "minute": 38}
